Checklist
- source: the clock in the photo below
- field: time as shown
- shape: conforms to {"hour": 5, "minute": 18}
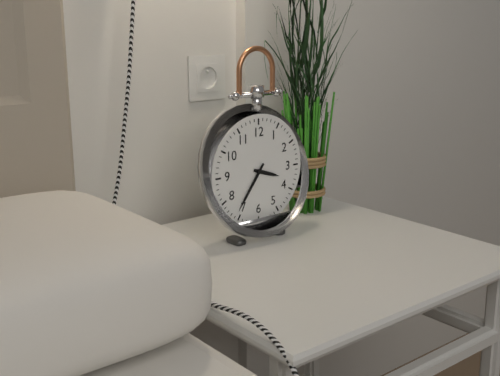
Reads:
{"hour": 3, "minute": 36}
